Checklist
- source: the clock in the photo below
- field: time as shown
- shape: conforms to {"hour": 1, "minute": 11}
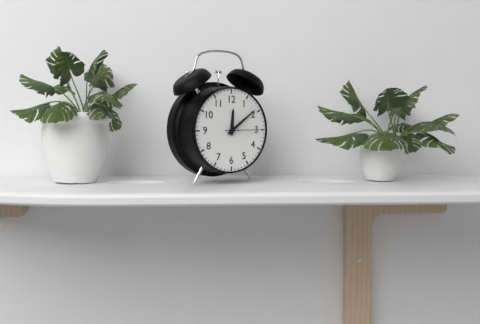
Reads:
{"hour": 12, "minute": 9}
